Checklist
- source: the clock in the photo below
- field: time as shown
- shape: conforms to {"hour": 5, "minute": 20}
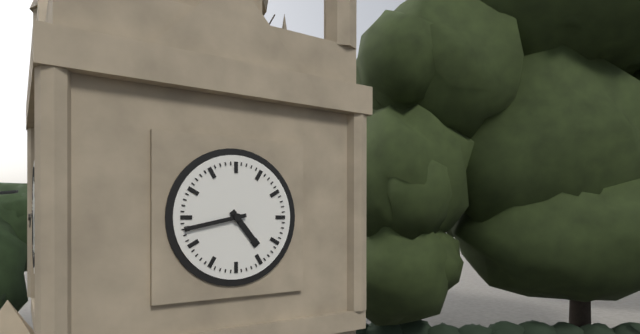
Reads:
{"hour": 4, "minute": 43}
